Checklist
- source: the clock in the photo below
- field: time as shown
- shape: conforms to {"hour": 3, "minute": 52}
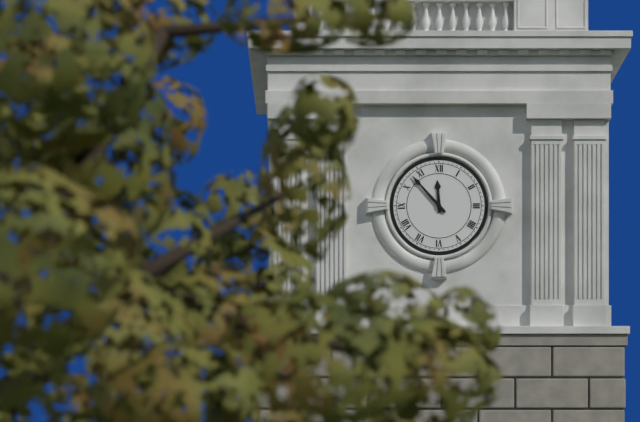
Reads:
{"hour": 11, "minute": 53}
